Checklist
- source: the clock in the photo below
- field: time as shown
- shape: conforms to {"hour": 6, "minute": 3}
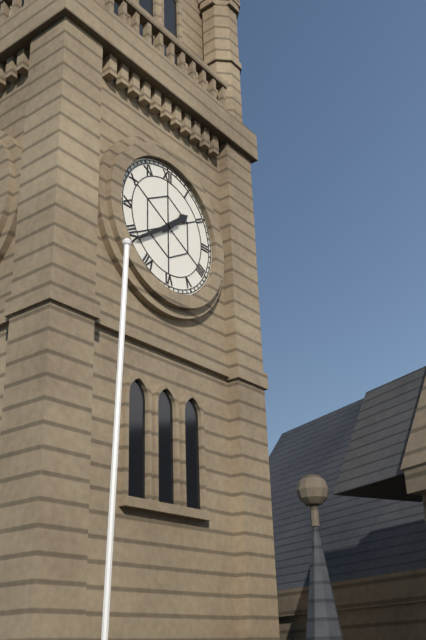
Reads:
{"hour": 1, "minute": 39}
